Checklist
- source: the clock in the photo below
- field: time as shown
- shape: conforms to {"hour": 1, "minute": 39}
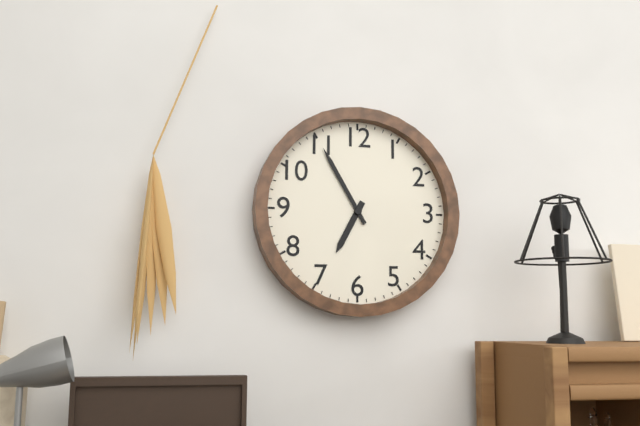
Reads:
{"hour": 6, "minute": 55}
